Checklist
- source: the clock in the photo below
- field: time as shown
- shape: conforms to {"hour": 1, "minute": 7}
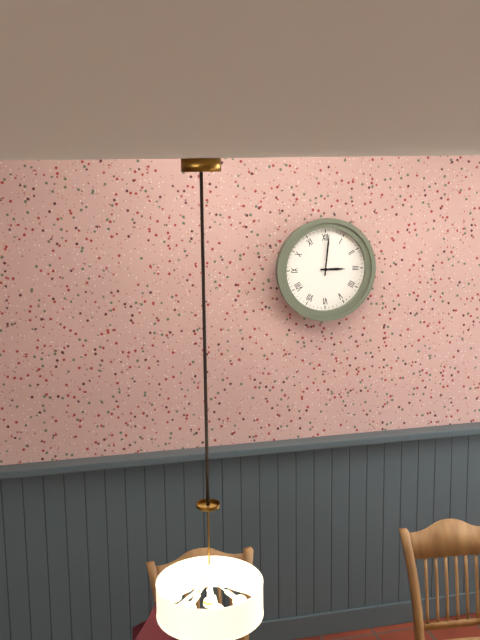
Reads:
{"hour": 3, "minute": 1}
